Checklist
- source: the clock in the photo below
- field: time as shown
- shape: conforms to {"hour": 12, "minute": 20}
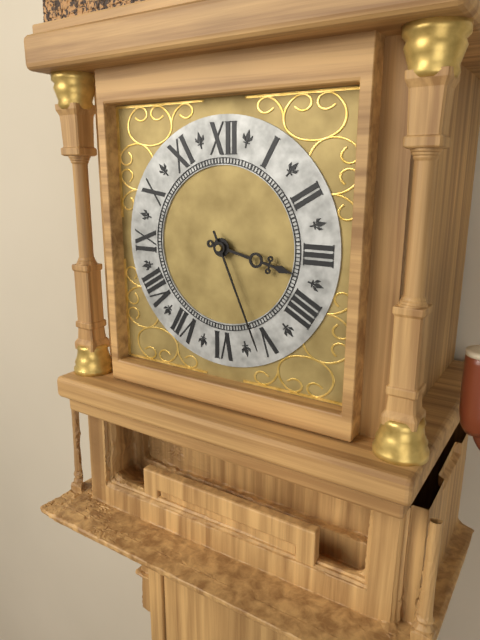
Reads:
{"hour": 3, "minute": 26}
